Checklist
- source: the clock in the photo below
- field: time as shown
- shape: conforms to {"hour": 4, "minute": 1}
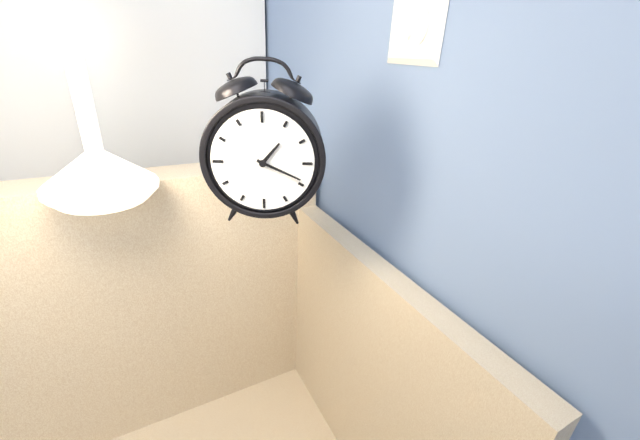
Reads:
{"hour": 1, "minute": 19}
